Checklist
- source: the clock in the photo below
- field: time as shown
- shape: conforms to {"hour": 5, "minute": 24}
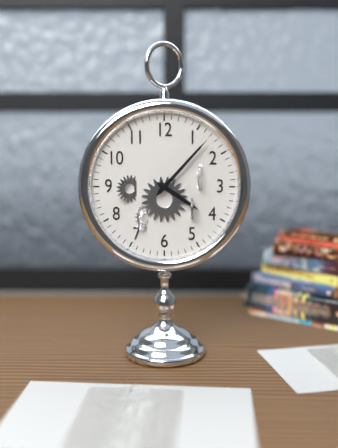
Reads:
{"hour": 4, "minute": 7}
